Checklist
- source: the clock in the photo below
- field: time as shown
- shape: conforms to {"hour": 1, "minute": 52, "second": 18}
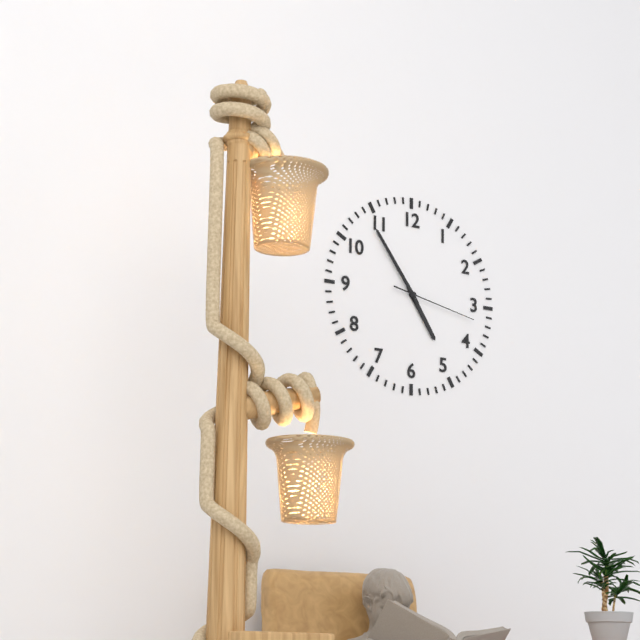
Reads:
{"hour": 4, "minute": 54, "second": 17}
